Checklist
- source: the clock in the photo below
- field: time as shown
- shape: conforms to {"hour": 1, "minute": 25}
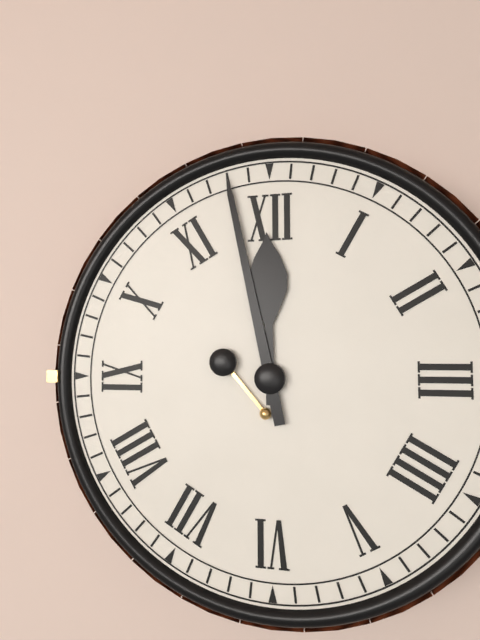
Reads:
{"hour": 11, "minute": 58}
